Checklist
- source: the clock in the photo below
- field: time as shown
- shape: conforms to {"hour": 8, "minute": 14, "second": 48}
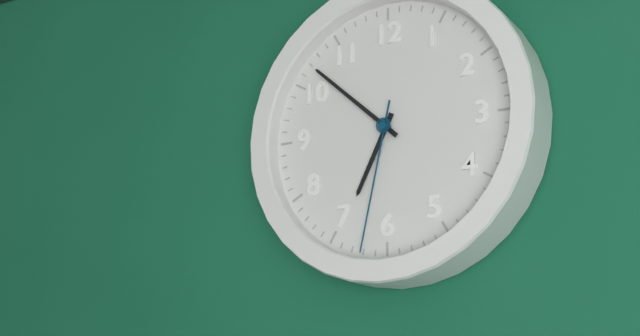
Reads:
{"hour": 6, "minute": 52, "second": 32}
